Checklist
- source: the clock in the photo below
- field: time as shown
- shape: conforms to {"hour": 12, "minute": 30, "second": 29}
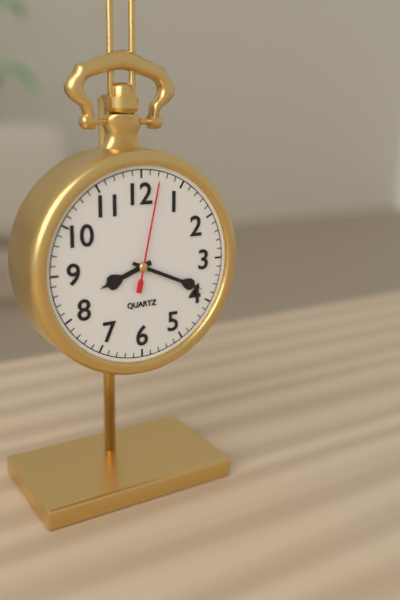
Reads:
{"hour": 8, "minute": 19, "second": 2}
